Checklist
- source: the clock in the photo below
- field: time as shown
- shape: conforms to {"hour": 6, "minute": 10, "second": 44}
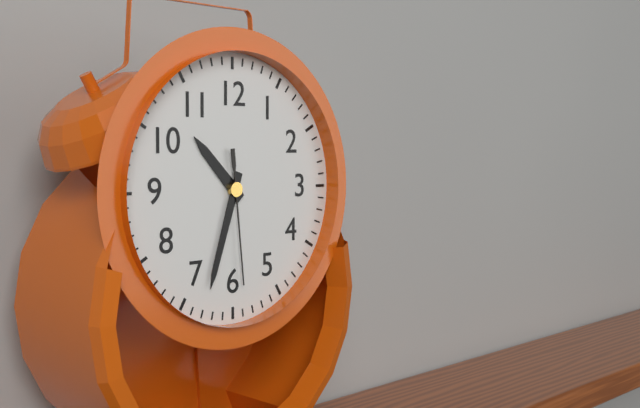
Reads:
{"hour": 10, "minute": 33, "second": 29}
